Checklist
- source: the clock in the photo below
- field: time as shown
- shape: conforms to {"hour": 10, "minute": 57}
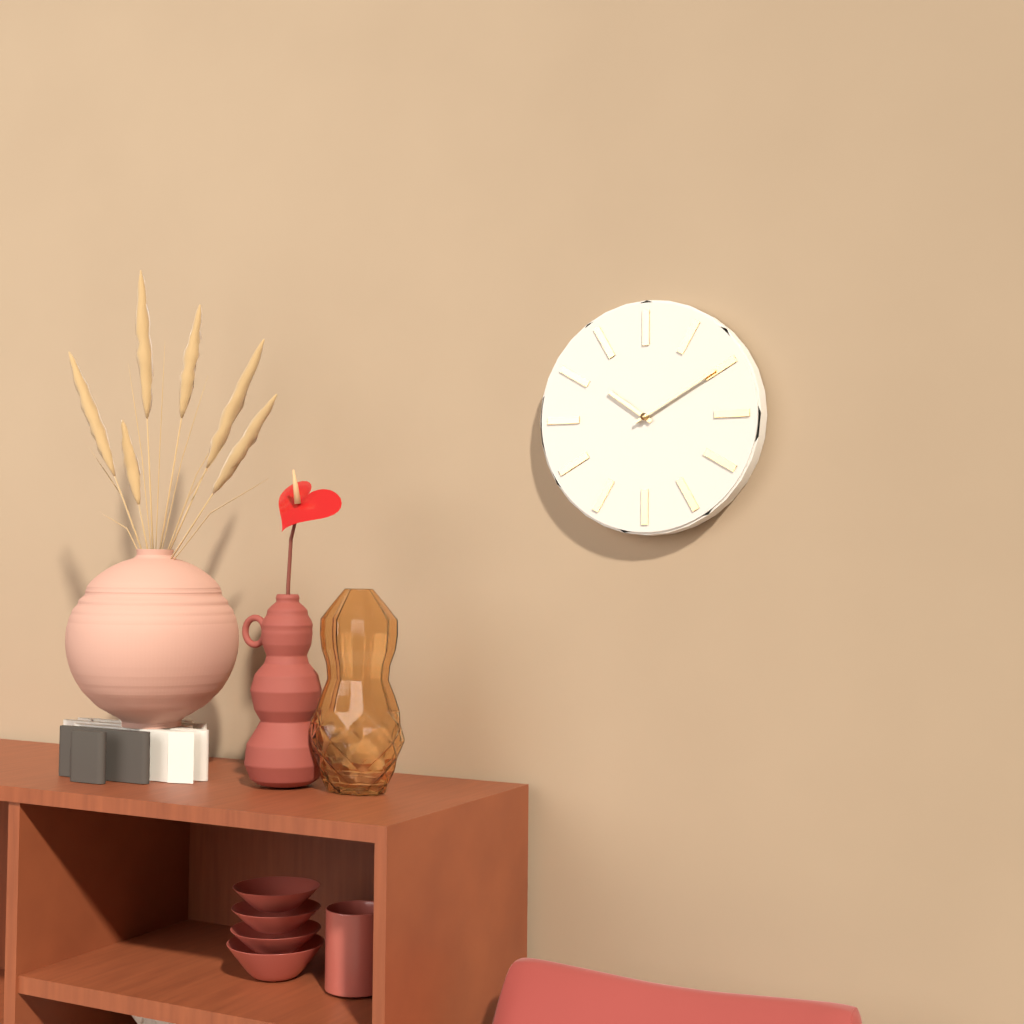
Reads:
{"hour": 10, "minute": 10}
